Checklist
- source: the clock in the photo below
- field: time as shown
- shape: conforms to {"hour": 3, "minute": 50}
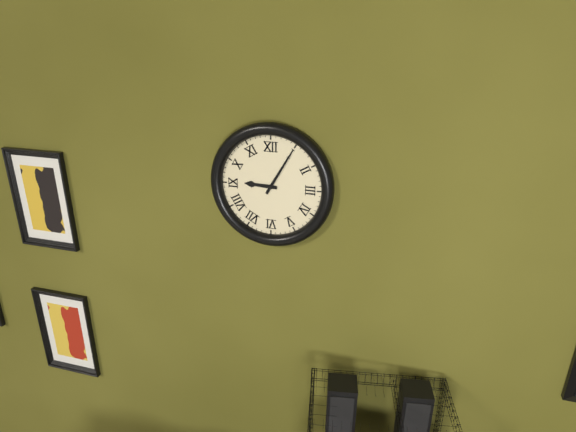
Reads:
{"hour": 9, "minute": 5}
